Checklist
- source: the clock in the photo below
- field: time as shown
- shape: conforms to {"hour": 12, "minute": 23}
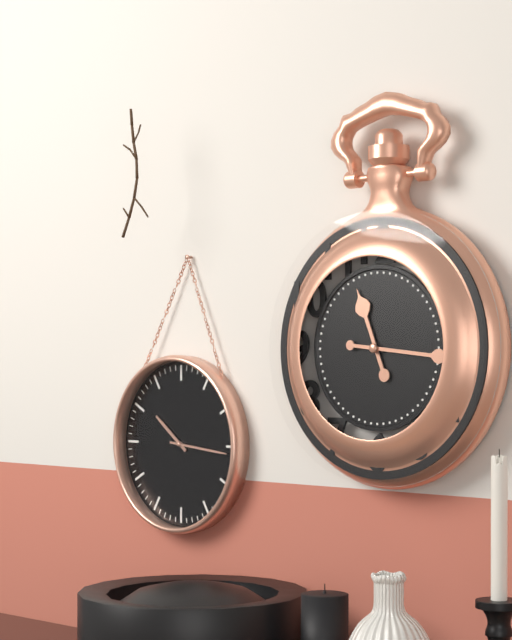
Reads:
{"hour": 11, "minute": 16}
